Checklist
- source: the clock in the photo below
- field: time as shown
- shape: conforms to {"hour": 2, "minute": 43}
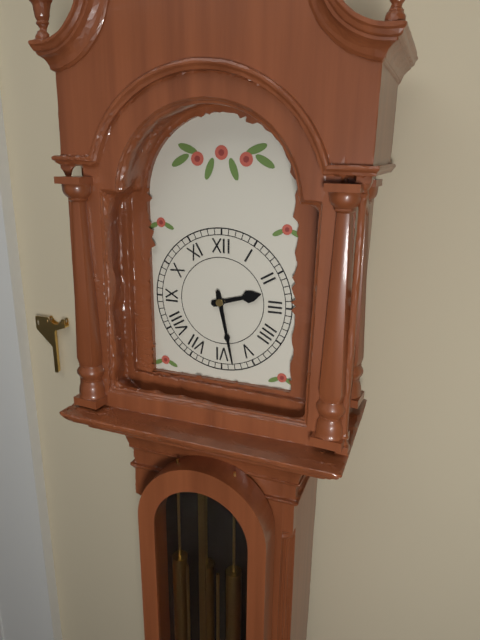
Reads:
{"hour": 2, "minute": 28}
